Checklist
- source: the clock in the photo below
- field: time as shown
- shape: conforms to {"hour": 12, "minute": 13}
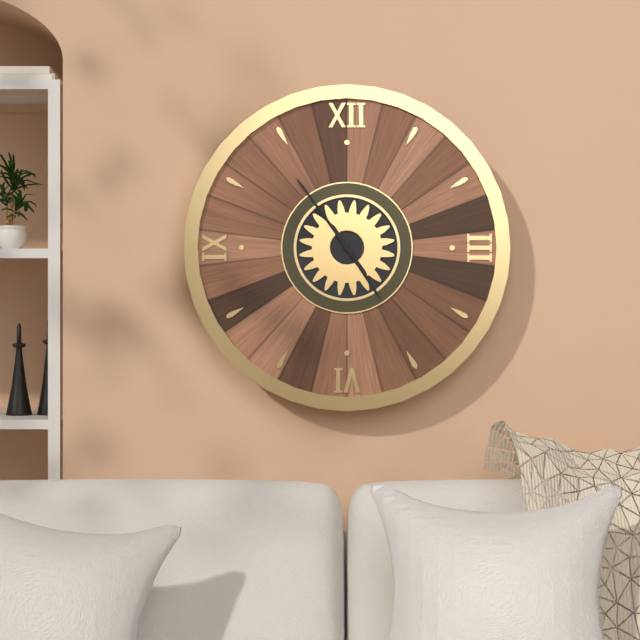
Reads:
{"hour": 4, "minute": 54}
